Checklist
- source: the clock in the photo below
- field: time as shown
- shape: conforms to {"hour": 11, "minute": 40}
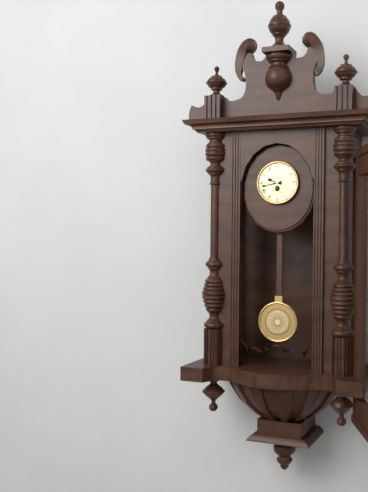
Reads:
{"hour": 9, "minute": 43}
